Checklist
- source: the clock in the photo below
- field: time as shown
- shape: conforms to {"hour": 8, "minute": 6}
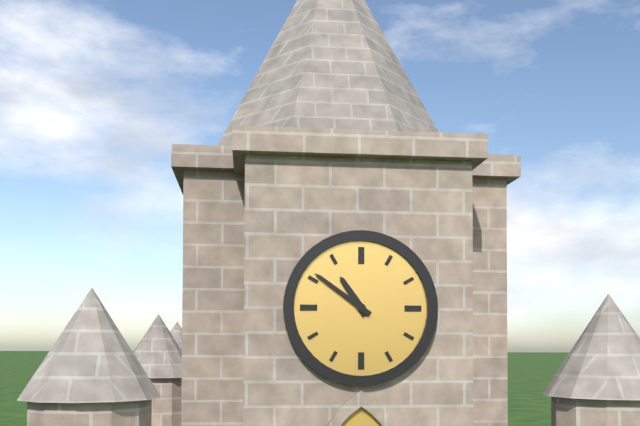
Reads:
{"hour": 10, "minute": 51}
